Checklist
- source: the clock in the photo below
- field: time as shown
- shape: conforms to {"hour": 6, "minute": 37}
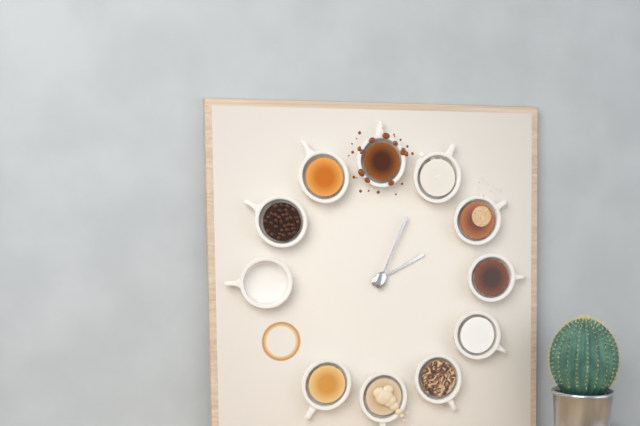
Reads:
{"hour": 2, "minute": 4}
